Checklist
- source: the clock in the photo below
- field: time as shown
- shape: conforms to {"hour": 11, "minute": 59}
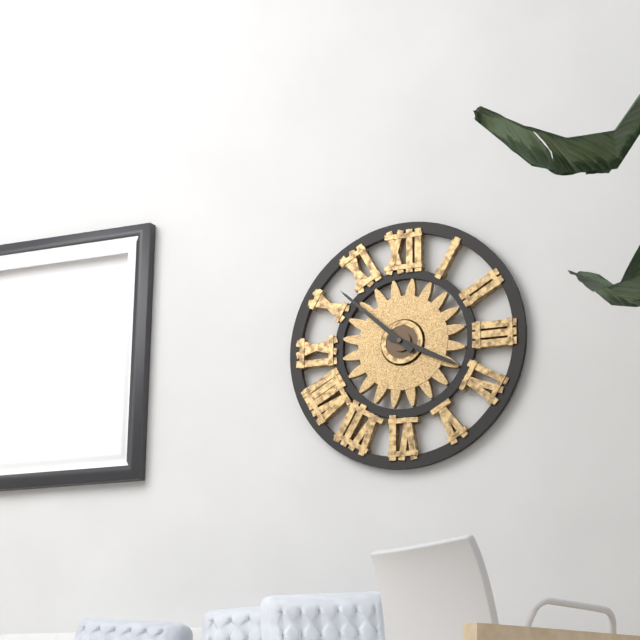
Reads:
{"hour": 3, "minute": 52}
